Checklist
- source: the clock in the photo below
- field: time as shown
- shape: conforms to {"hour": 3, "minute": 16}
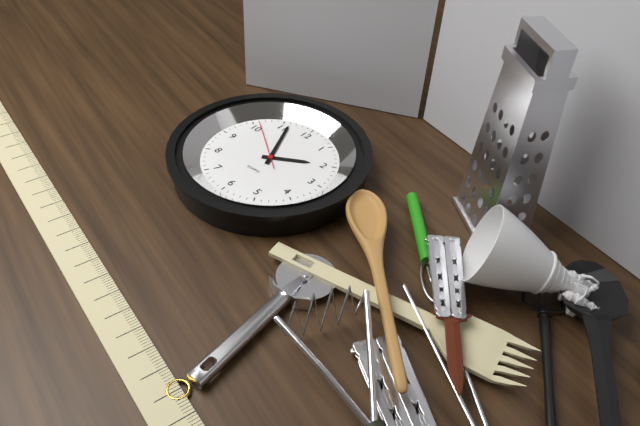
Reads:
{"hour": 1, "minute": 56}
